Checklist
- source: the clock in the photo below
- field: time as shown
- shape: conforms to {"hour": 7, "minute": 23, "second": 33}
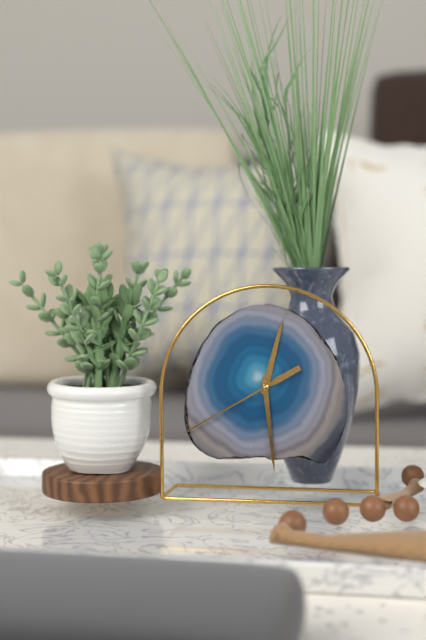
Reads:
{"hour": 12, "minute": 29, "second": 40}
